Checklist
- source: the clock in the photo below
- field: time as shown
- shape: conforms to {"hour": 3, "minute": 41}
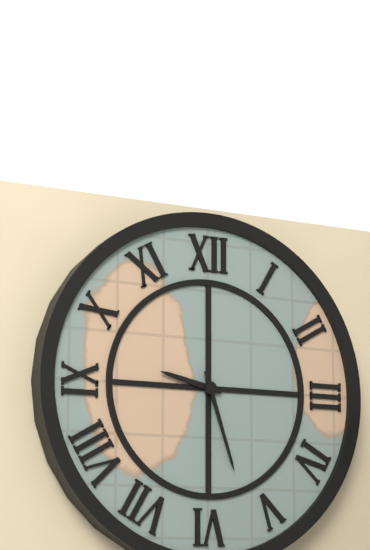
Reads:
{"hour": 9, "minute": 27}
